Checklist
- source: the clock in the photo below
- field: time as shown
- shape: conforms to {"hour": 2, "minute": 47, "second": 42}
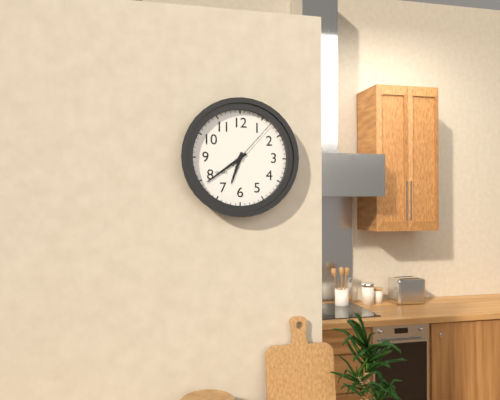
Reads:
{"hour": 6, "minute": 39, "second": 7}
